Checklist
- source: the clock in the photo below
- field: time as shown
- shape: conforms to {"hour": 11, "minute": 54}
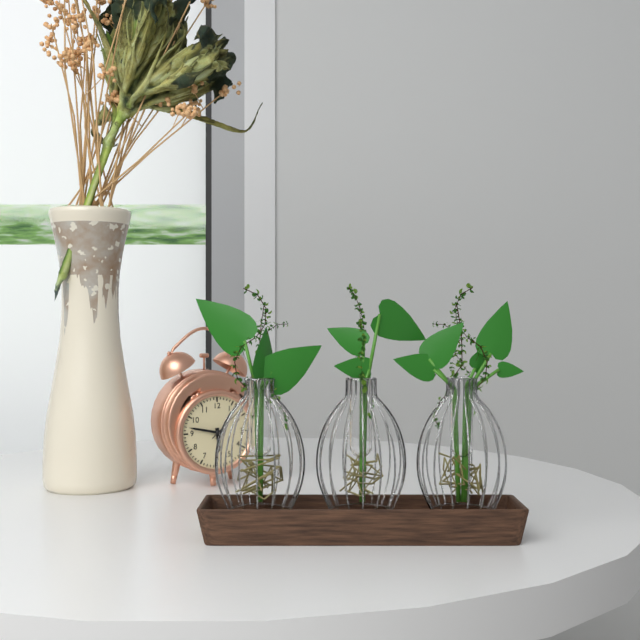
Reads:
{"hour": 5, "minute": 47}
